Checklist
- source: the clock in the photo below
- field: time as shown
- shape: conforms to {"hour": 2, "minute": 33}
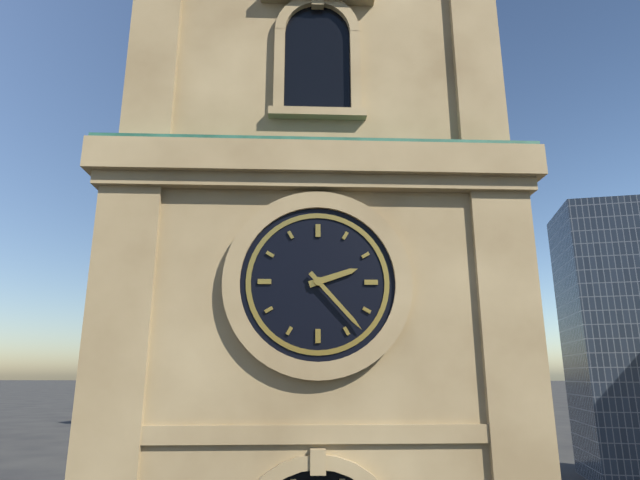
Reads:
{"hour": 2, "minute": 23}
